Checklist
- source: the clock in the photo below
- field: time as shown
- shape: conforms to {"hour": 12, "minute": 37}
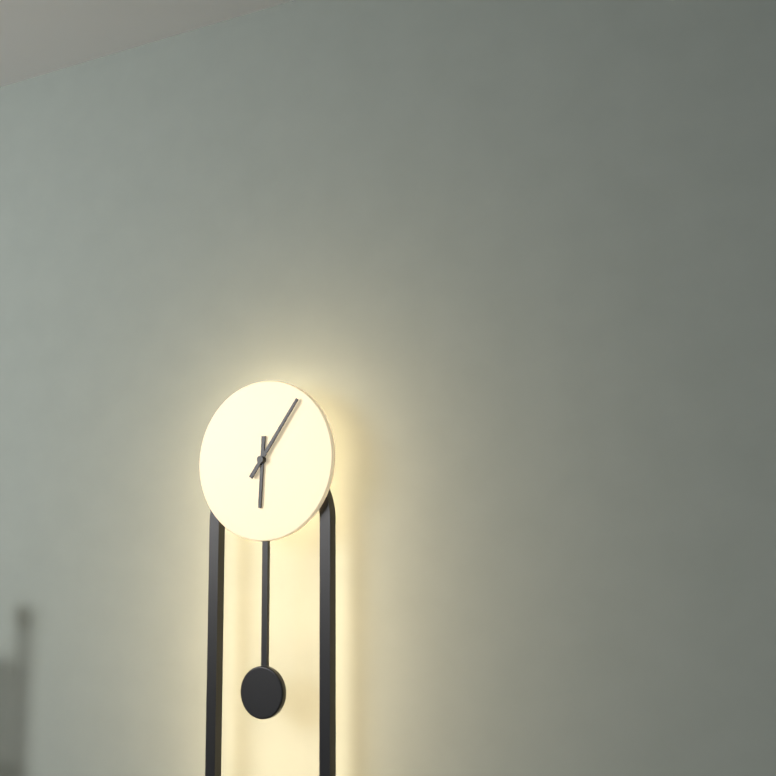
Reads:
{"hour": 6, "minute": 6}
